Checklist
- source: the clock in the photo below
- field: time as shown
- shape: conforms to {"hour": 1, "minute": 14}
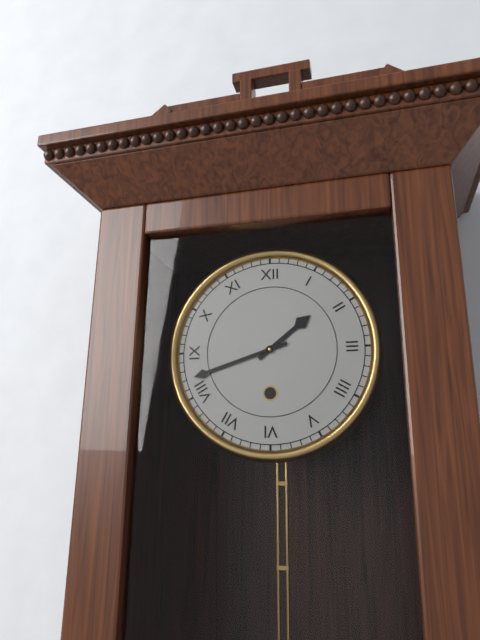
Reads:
{"hour": 1, "minute": 42}
